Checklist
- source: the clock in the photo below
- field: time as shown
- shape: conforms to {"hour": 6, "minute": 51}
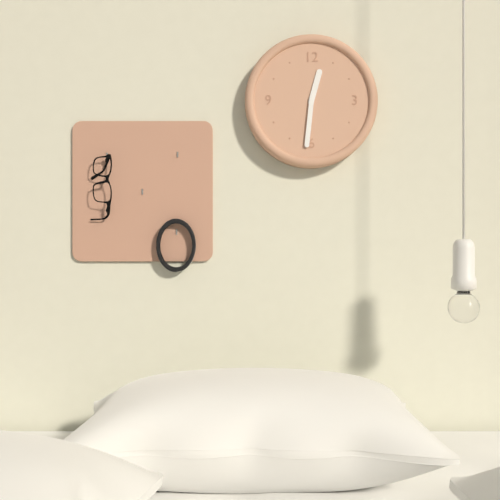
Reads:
{"hour": 12, "minute": 31}
